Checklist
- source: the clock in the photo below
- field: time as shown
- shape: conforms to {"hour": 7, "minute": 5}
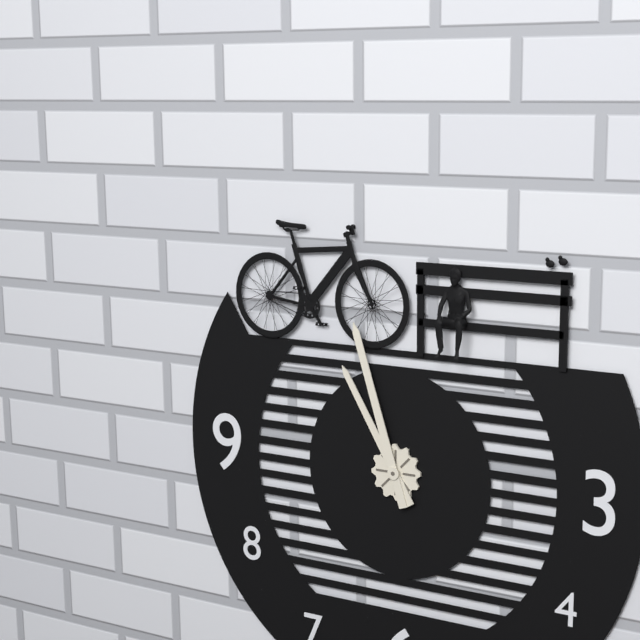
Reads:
{"hour": 10, "minute": 57}
